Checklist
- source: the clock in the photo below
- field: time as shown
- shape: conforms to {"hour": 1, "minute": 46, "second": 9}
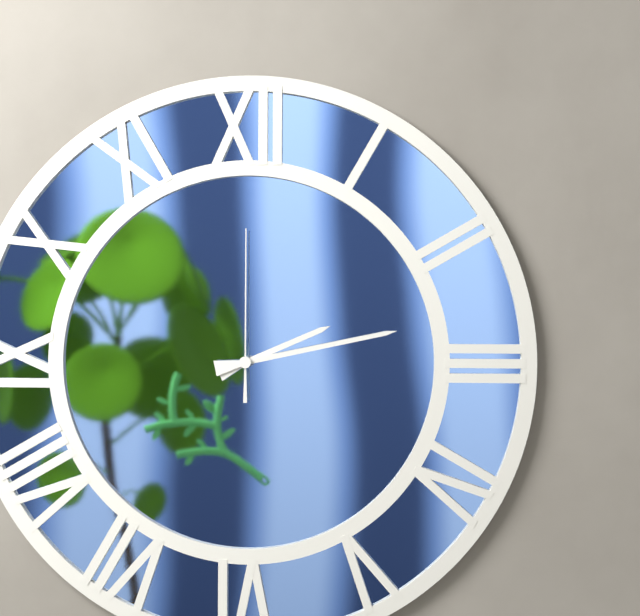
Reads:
{"hour": 2, "minute": 13, "second": 0}
